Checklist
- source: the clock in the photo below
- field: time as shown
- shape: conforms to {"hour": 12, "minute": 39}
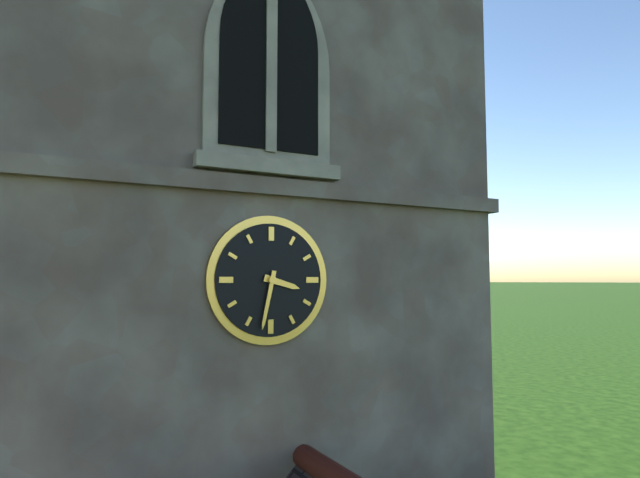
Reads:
{"hour": 3, "minute": 32}
